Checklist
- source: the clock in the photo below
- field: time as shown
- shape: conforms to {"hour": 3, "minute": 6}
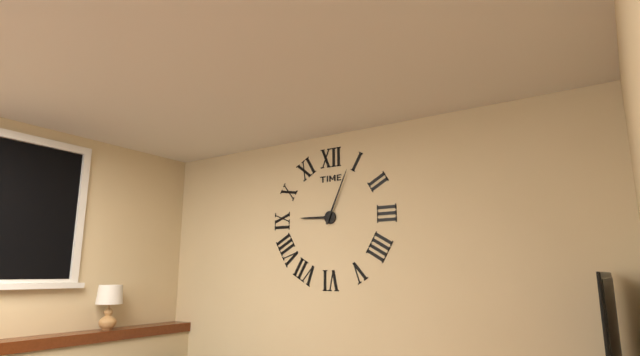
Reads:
{"hour": 9, "minute": 4}
